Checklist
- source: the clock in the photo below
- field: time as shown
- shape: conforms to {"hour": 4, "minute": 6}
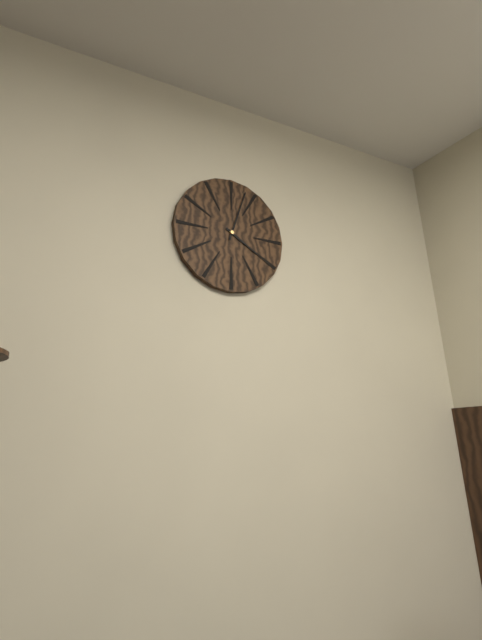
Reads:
{"hour": 4, "minute": 3}
